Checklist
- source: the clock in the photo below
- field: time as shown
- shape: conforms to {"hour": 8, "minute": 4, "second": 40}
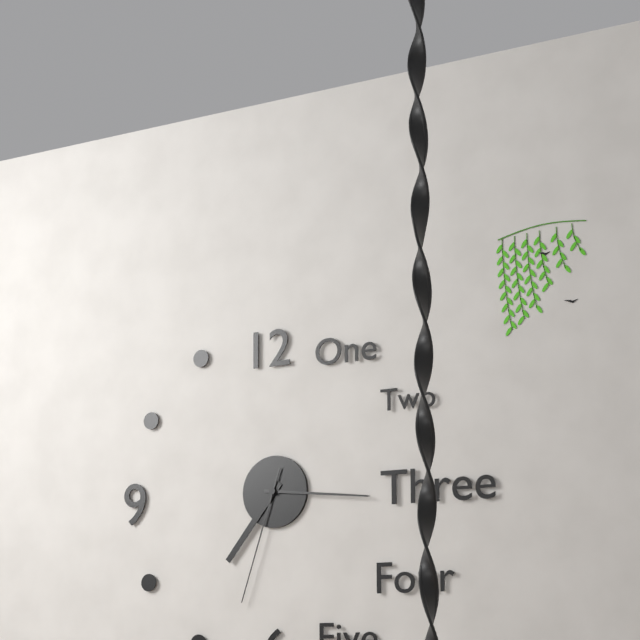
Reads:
{"hour": 7, "minute": 16, "second": 33}
